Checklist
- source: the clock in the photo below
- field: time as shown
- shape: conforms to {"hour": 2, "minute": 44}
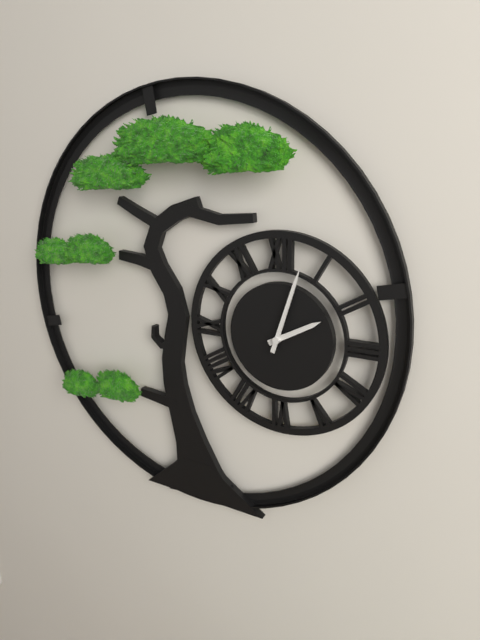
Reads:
{"hour": 2, "minute": 3}
